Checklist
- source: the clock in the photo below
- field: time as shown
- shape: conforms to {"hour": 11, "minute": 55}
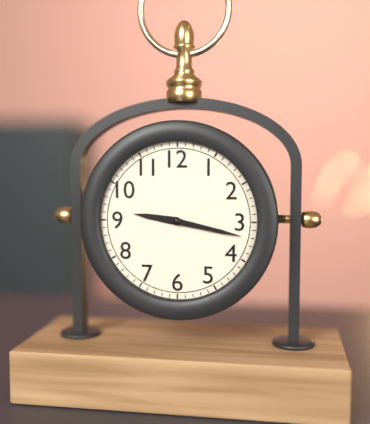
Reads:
{"hour": 9, "minute": 17}
